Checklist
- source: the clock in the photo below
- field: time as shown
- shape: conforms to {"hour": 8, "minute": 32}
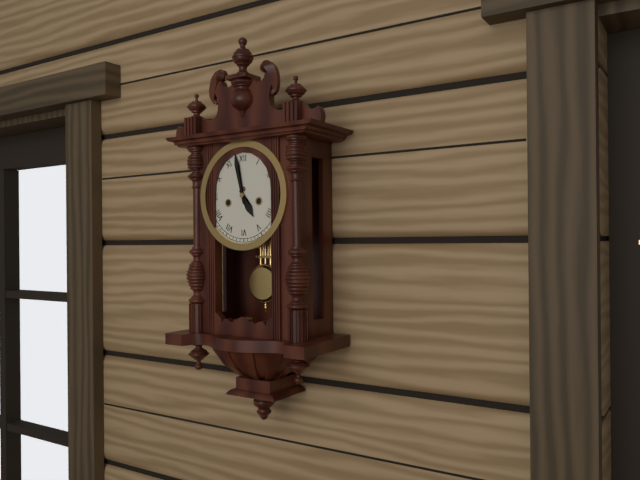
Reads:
{"hour": 4, "minute": 58}
